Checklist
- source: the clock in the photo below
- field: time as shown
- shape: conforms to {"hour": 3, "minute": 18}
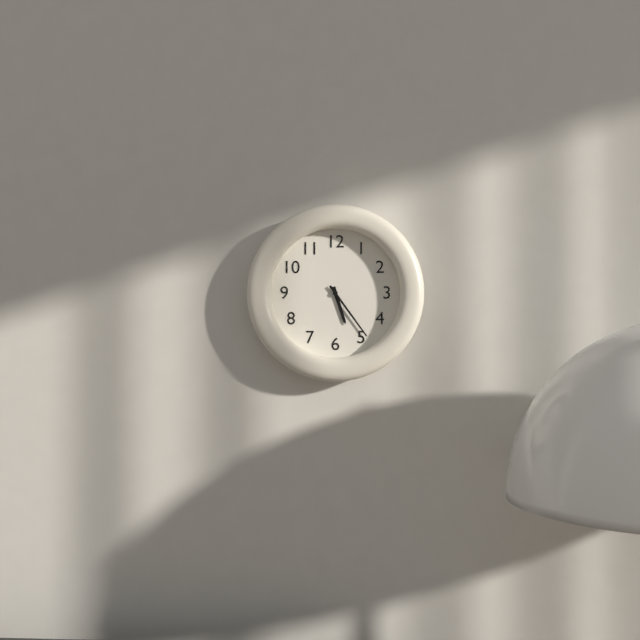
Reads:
{"hour": 5, "minute": 24}
